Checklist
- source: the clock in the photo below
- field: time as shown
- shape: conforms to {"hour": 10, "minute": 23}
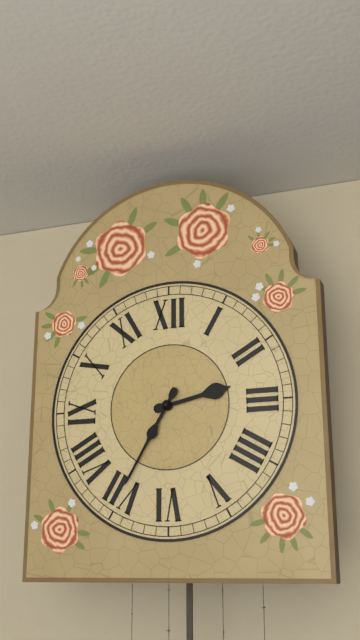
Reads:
{"hour": 2, "minute": 35}
